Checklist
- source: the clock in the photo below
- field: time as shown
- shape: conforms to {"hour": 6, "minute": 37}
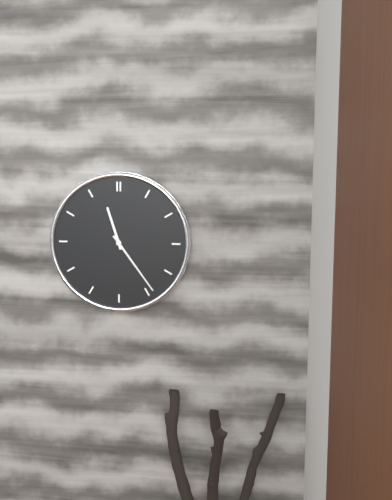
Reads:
{"hour": 11, "minute": 24}
